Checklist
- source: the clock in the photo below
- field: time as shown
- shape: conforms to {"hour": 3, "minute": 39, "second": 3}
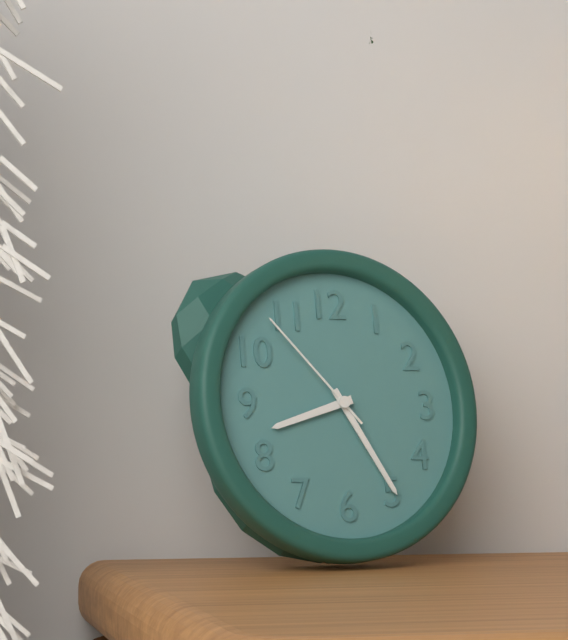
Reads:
{"hour": 8, "minute": 25, "second": 53}
